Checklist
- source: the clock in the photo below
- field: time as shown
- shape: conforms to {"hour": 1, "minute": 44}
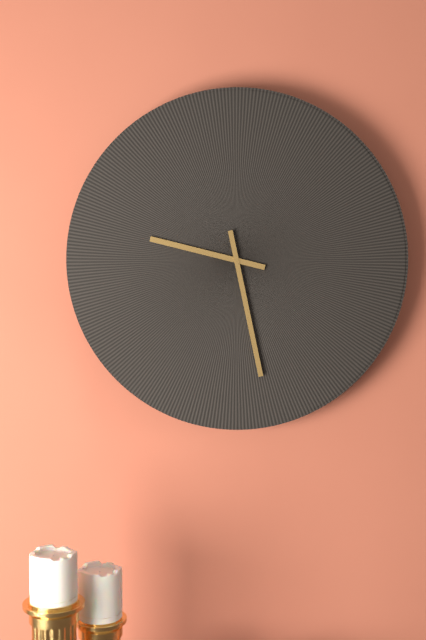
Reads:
{"hour": 9, "minute": 28}
